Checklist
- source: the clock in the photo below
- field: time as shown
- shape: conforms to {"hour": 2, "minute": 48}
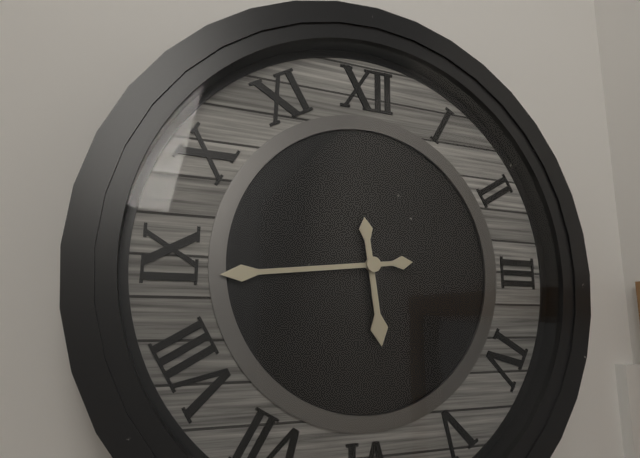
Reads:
{"hour": 5, "minute": 44}
